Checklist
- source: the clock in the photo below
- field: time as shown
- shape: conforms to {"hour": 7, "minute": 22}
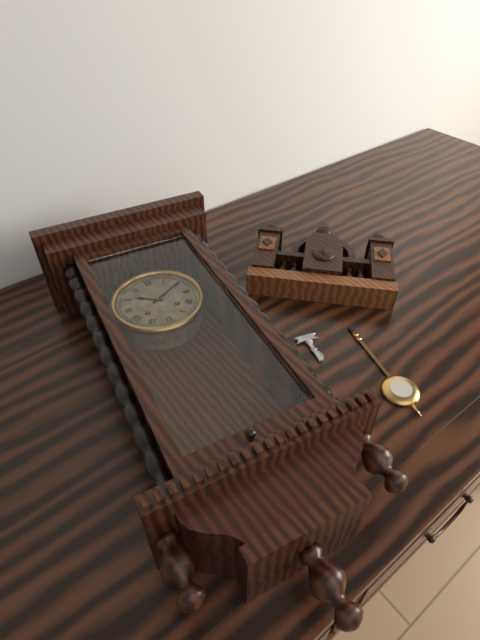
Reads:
{"hour": 10, "minute": 10}
